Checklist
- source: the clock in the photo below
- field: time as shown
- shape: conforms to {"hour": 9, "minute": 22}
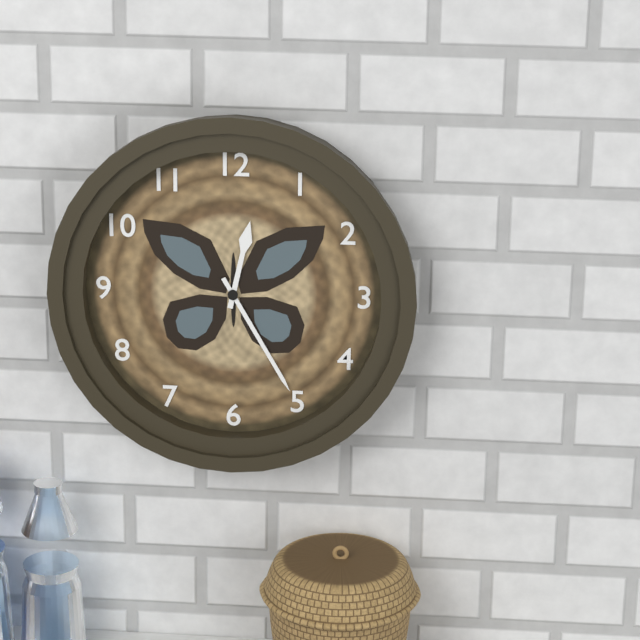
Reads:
{"hour": 12, "minute": 25}
